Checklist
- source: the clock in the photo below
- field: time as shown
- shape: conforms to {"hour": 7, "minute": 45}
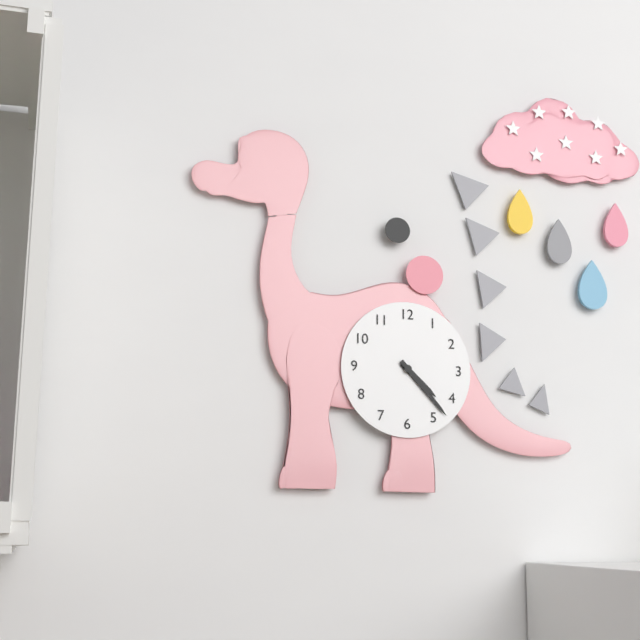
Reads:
{"hour": 4, "minute": 23}
